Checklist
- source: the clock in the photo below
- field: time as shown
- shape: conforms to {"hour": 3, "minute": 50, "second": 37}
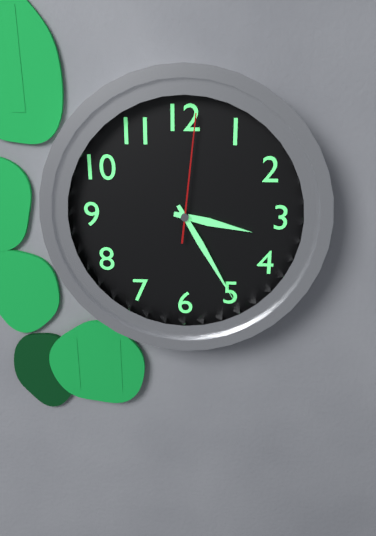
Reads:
{"hour": 3, "minute": 25, "second": 1}
